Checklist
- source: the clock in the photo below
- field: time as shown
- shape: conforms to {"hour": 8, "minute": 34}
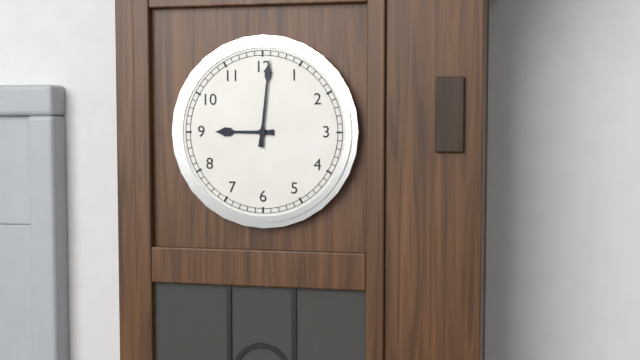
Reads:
{"hour": 9, "minute": 1}
